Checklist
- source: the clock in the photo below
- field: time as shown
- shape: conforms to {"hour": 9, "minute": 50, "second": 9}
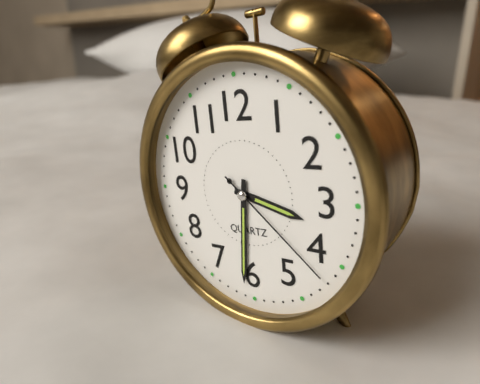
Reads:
{"hour": 3, "minute": 31, "second": 22}
